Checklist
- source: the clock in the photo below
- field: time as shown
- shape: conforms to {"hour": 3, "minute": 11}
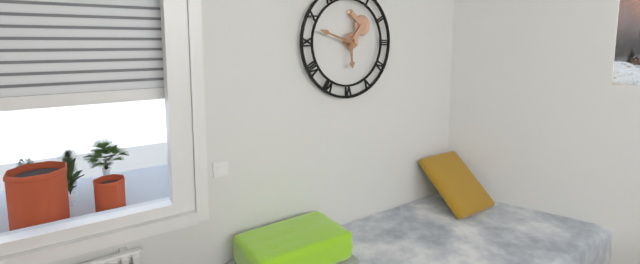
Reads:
{"hour": 5, "minute": 48}
